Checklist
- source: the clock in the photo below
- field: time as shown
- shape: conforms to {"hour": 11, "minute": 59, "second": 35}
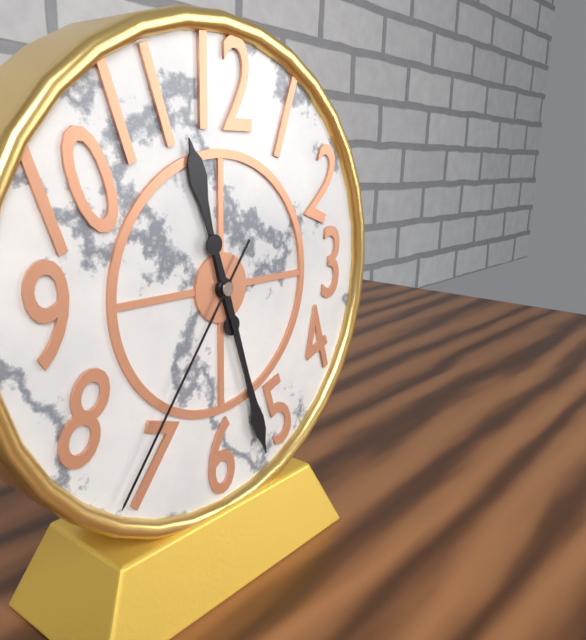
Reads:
{"hour": 11, "minute": 27, "second": 36}
